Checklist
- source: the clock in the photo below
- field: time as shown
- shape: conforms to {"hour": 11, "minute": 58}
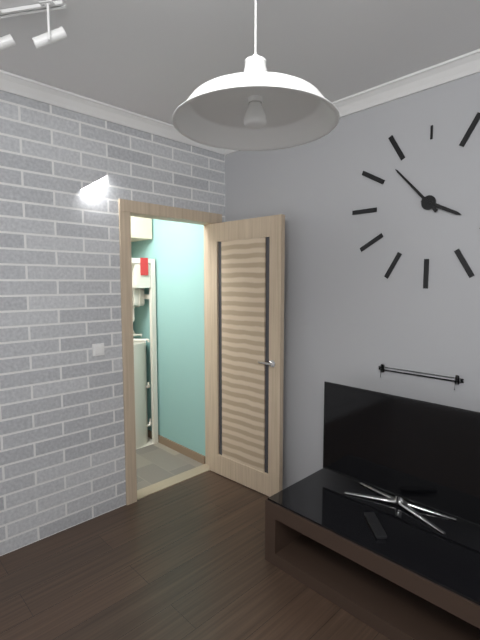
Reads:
{"hour": 3, "minute": 53}
